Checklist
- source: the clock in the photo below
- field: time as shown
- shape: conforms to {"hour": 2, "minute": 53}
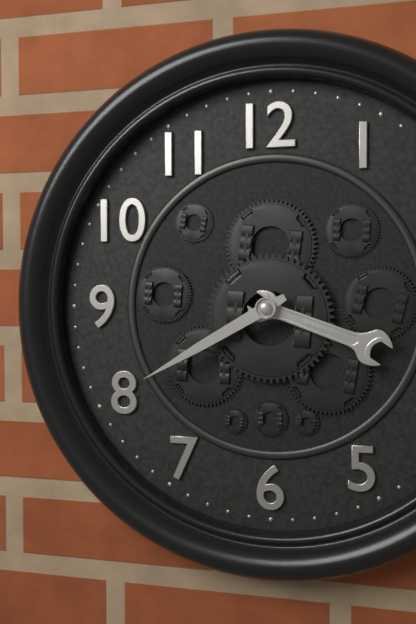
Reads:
{"hour": 3, "minute": 40}
